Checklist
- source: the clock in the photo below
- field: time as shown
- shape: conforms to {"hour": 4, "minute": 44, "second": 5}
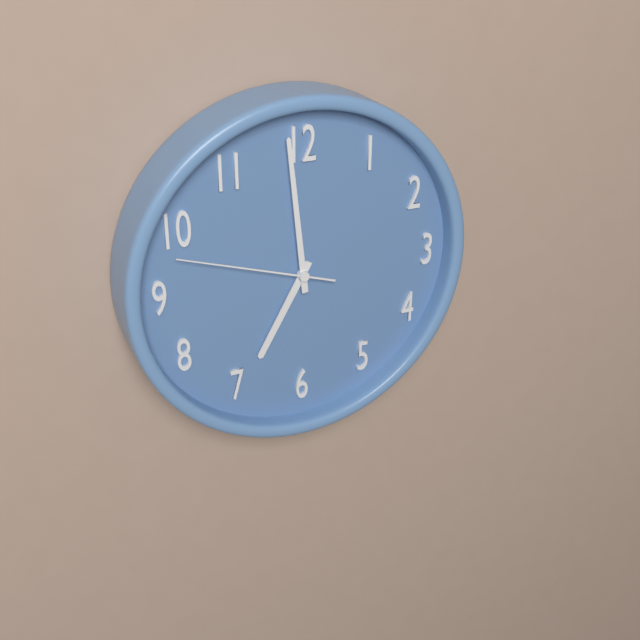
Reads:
{"hour": 6, "minute": 59, "second": 48}
